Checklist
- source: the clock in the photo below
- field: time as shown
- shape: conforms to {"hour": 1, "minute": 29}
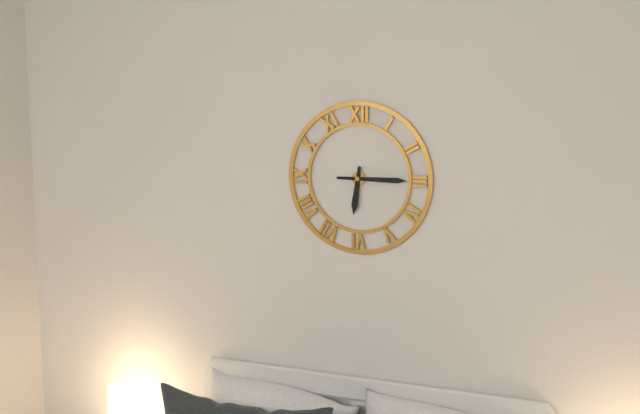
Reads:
{"hour": 6, "minute": 15}
